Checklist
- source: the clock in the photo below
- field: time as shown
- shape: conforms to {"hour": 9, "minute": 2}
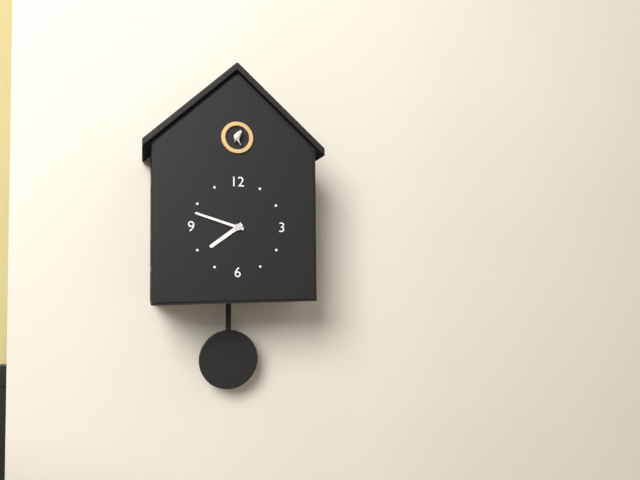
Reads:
{"hour": 7, "minute": 48}
